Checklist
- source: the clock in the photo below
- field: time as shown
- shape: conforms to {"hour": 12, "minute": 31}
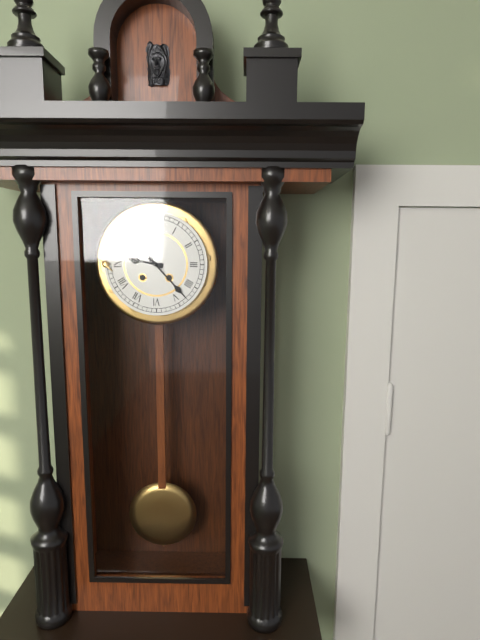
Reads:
{"hour": 9, "minute": 23}
